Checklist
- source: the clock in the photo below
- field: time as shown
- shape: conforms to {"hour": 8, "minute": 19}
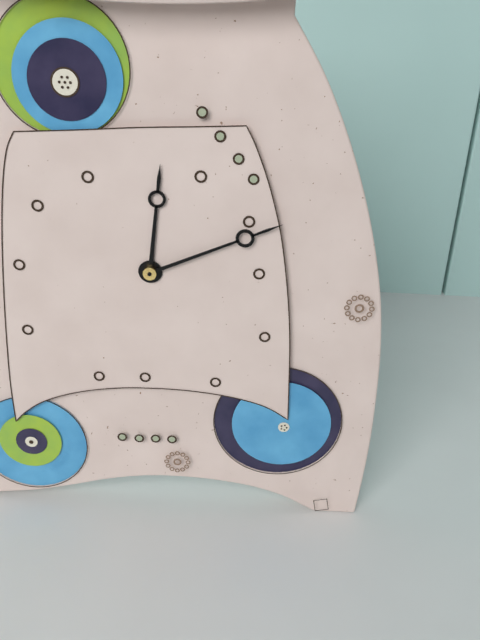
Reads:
{"hour": 12, "minute": 11}
